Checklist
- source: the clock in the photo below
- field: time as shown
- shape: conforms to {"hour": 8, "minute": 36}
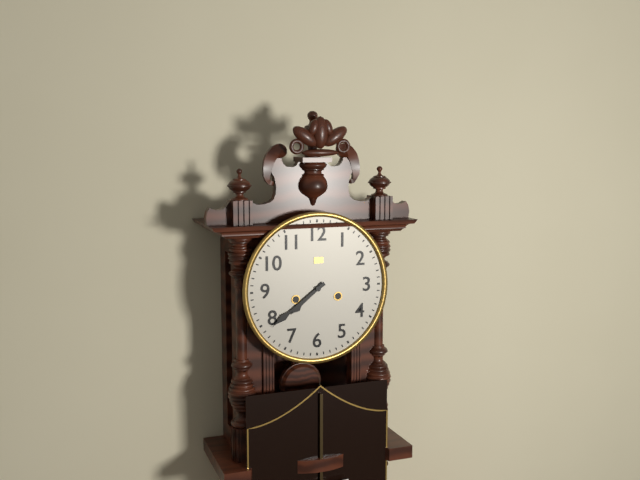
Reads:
{"hour": 7, "minute": 39}
